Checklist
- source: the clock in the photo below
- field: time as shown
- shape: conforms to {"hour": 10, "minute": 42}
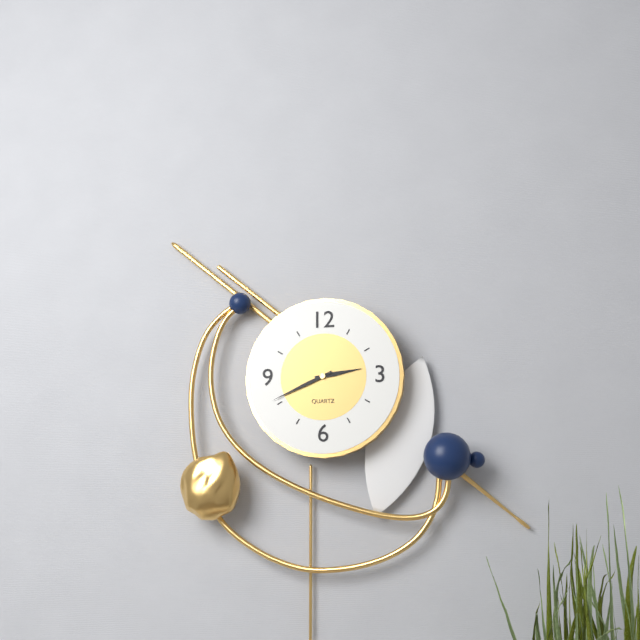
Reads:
{"hour": 2, "minute": 41}
